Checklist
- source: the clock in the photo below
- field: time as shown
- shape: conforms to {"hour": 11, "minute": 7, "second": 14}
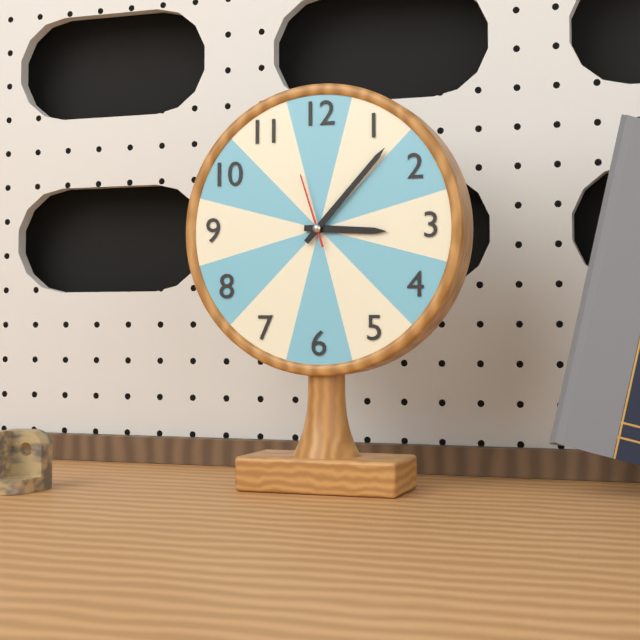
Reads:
{"hour": 3, "minute": 7, "second": 57}
